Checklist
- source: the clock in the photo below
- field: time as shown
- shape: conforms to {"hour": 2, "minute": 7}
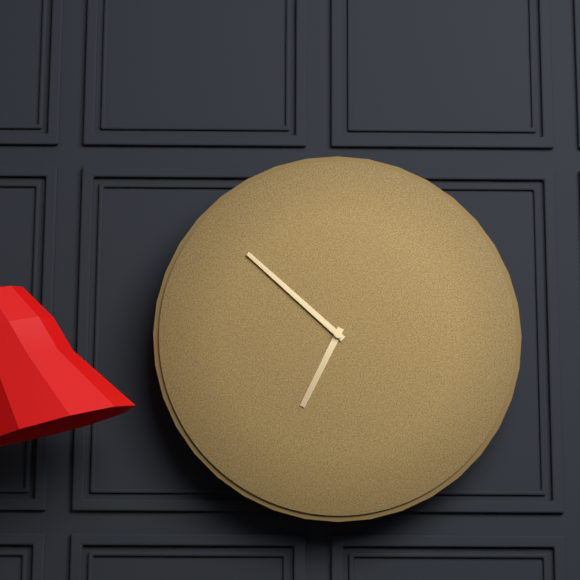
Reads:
{"hour": 6, "minute": 52}
